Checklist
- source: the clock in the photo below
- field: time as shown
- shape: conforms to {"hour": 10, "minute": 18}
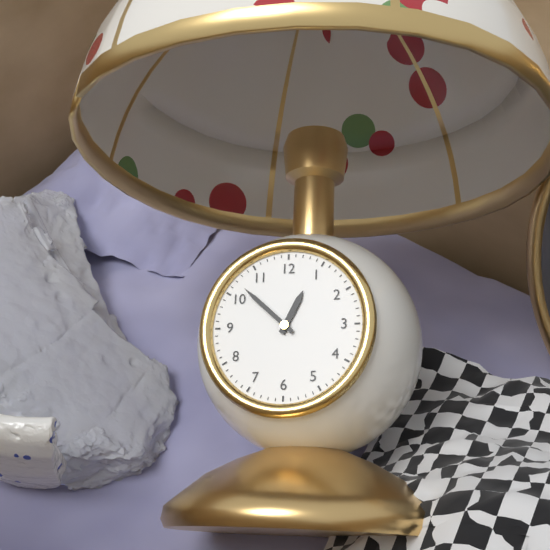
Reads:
{"hour": 12, "minute": 52}
